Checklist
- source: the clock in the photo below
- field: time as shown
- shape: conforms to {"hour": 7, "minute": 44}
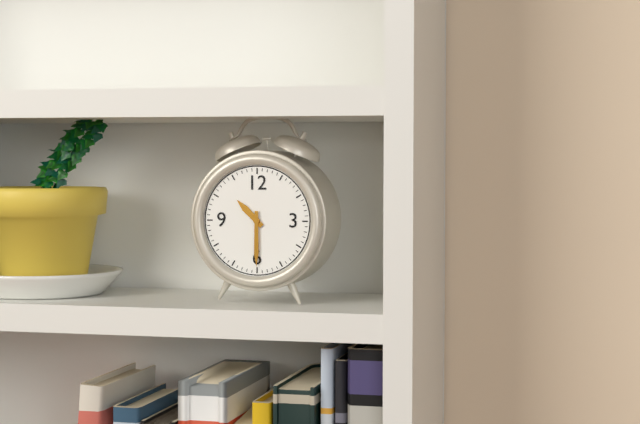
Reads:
{"hour": 10, "minute": 30}
